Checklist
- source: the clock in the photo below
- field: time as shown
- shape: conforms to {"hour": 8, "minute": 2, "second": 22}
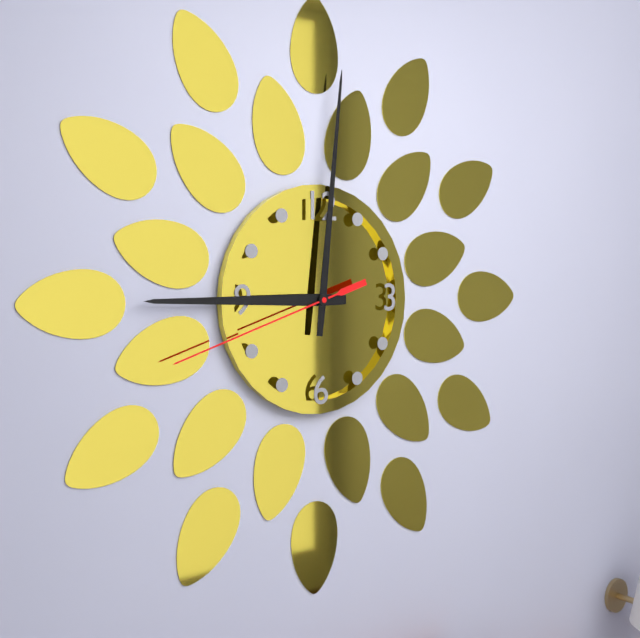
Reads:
{"hour": 9, "minute": 1, "second": 42}
